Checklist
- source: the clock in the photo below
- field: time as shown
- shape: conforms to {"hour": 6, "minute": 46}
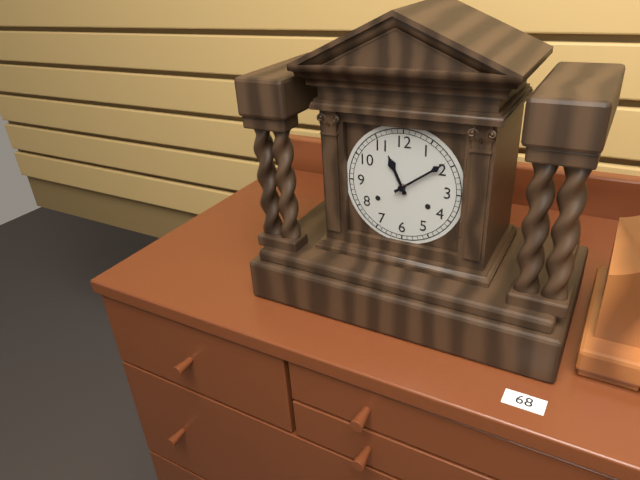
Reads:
{"hour": 11, "minute": 9}
